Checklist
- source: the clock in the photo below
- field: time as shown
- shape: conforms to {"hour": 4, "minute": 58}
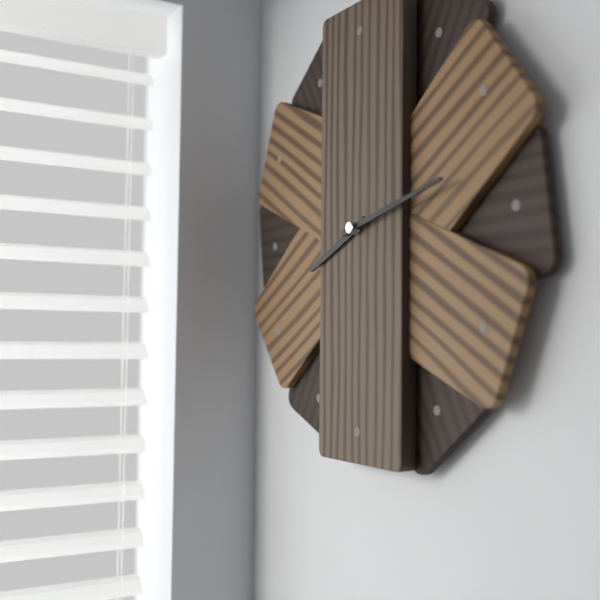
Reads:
{"hour": 8, "minute": 13}
